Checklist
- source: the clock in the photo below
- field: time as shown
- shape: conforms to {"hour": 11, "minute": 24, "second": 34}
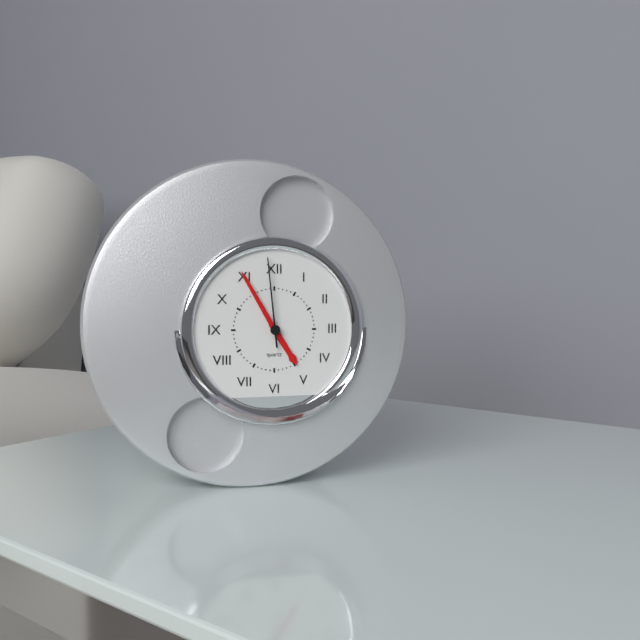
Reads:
{"hour": 4, "minute": 55, "second": 59}
